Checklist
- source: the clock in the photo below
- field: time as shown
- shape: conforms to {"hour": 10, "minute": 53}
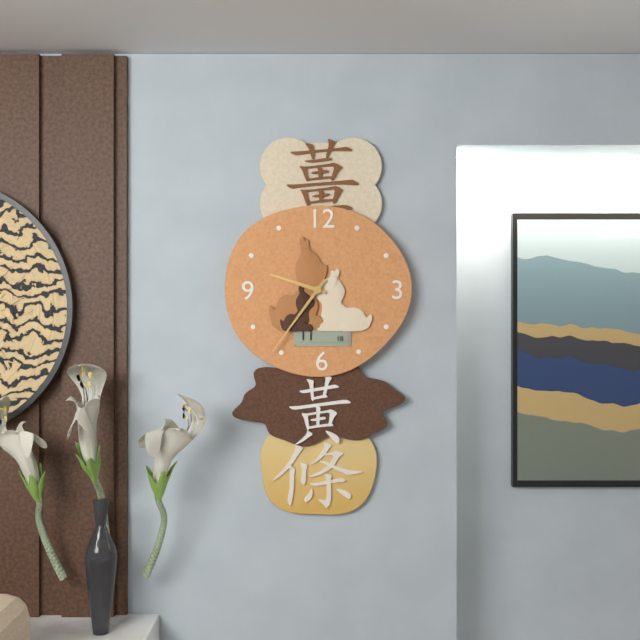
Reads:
{"hour": 9, "minute": 36}
